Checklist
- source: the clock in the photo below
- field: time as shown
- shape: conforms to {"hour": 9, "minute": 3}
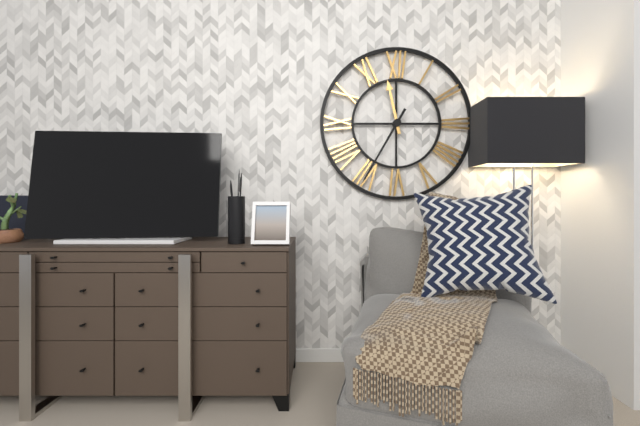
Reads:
{"hour": 11, "minute": 35}
